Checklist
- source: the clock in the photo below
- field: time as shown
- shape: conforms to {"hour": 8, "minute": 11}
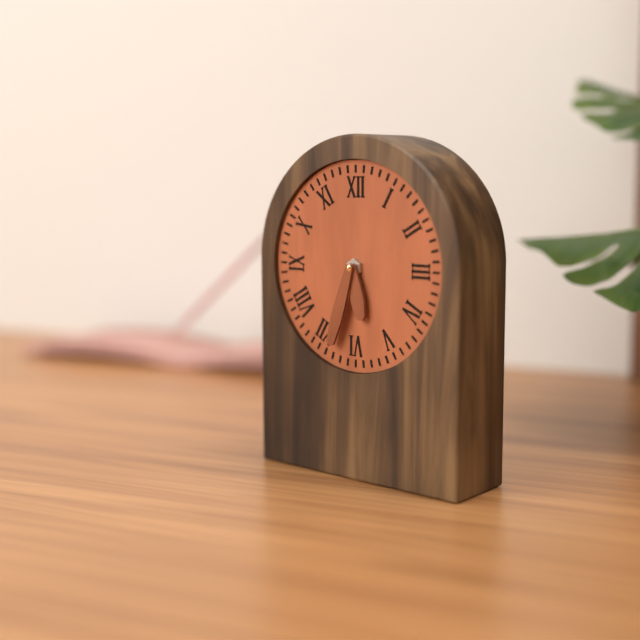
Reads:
{"hour": 5, "minute": 33}
